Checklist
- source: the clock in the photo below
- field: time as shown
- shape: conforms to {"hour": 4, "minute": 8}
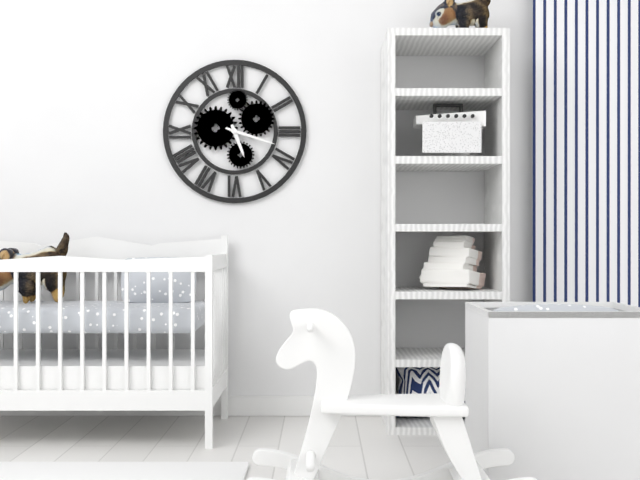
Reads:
{"hour": 5, "minute": 18}
